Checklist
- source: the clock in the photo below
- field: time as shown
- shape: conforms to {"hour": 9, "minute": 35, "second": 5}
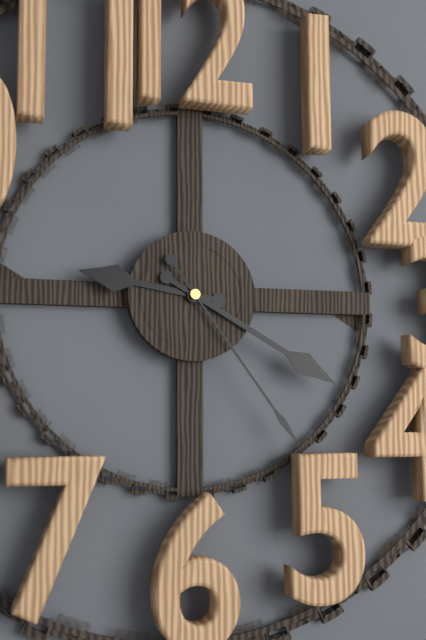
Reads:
{"hour": 9, "minute": 20, "second": 24}
